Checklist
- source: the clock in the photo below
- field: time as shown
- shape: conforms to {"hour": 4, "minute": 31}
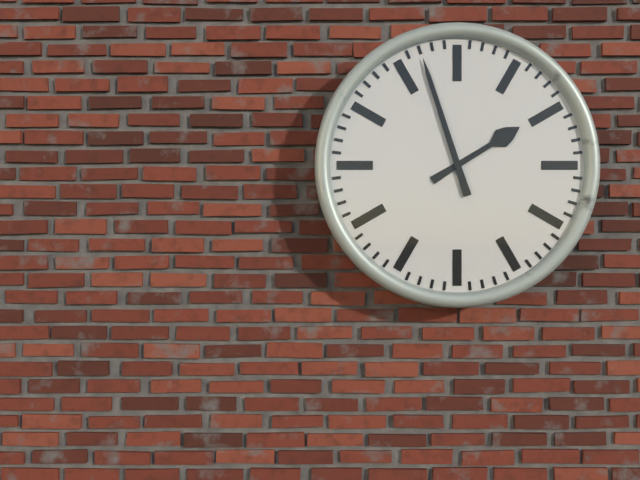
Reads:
{"hour": 1, "minute": 57}
